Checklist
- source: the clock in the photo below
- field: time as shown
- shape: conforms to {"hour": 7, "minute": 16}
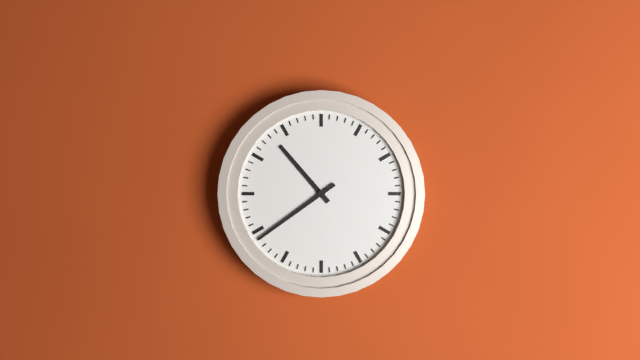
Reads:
{"hour": 10, "minute": 39}
